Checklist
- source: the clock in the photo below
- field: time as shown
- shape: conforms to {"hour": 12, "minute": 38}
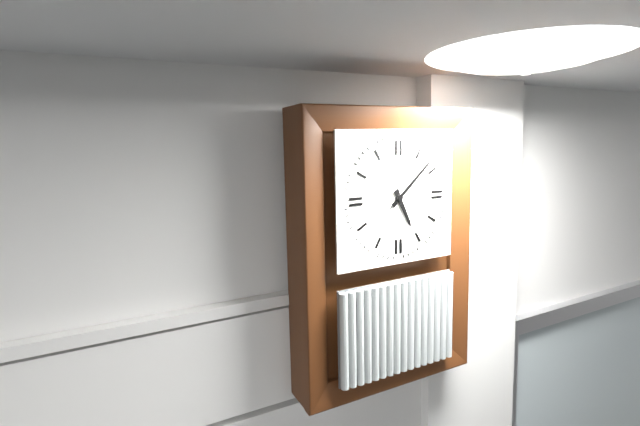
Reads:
{"hour": 5, "minute": 8}
